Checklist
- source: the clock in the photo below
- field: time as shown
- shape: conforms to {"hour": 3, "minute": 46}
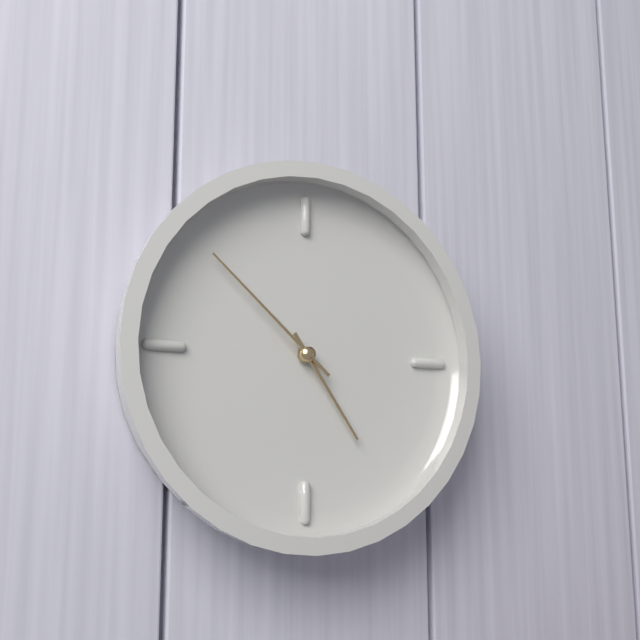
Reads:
{"hour": 4, "minute": 52}
